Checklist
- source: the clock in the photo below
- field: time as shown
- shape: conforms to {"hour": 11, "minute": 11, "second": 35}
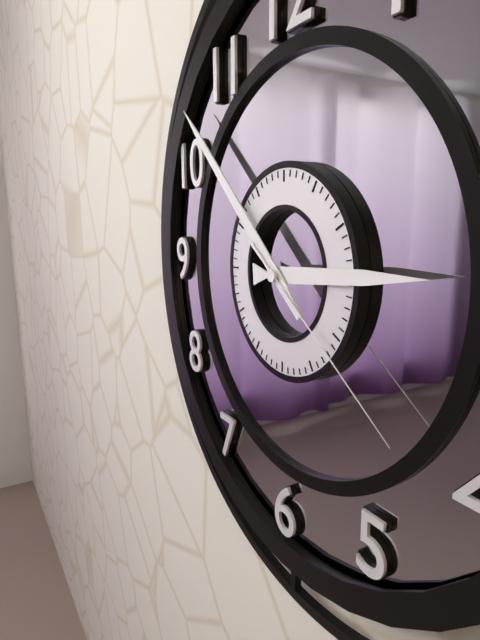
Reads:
{"hour": 2, "minute": 52, "second": 21}
